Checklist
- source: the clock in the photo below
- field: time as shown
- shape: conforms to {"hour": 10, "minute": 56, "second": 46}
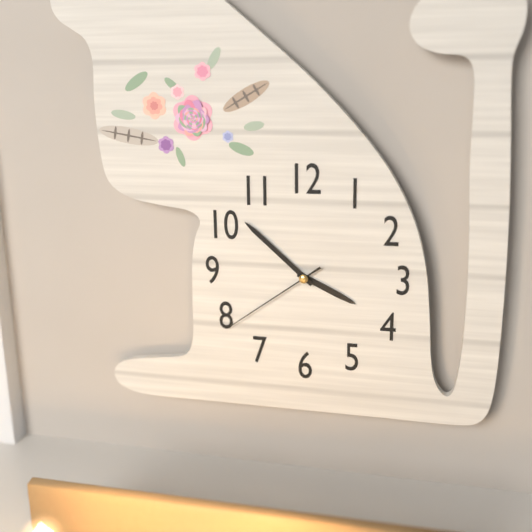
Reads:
{"hour": 3, "minute": 52, "second": 39}
